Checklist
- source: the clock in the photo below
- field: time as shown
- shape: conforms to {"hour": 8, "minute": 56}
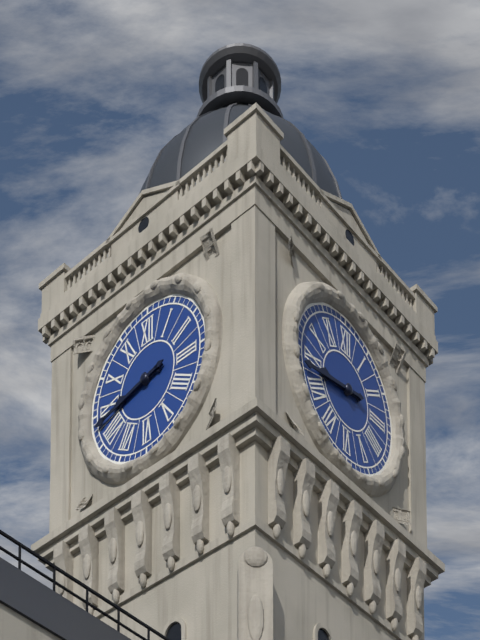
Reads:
{"hour": 8, "minute": 43}
